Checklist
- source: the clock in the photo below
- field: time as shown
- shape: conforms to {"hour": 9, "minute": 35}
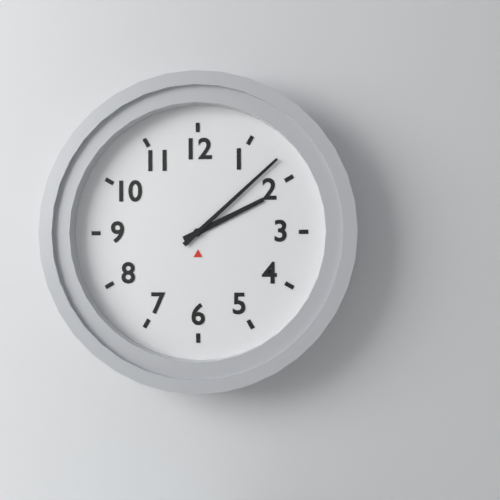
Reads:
{"hour": 2, "minute": 8}
